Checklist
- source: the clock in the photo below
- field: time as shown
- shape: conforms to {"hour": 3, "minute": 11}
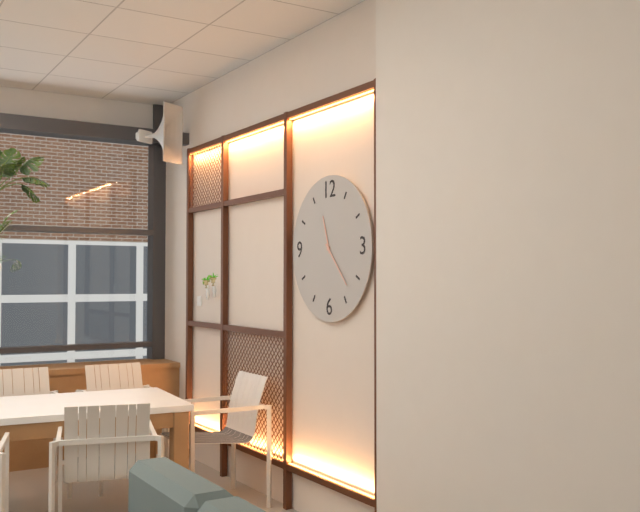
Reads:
{"hour": 11, "minute": 23}
